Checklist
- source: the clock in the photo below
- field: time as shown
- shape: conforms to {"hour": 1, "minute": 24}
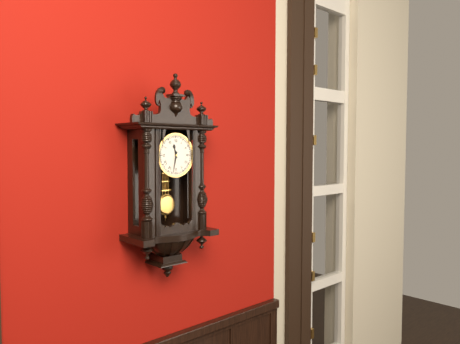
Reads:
{"hour": 11, "minute": 32}
